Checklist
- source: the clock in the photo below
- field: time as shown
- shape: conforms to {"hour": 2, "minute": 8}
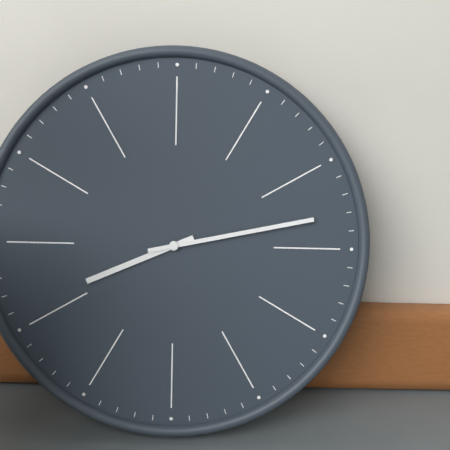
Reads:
{"hour": 8, "minute": 13}
